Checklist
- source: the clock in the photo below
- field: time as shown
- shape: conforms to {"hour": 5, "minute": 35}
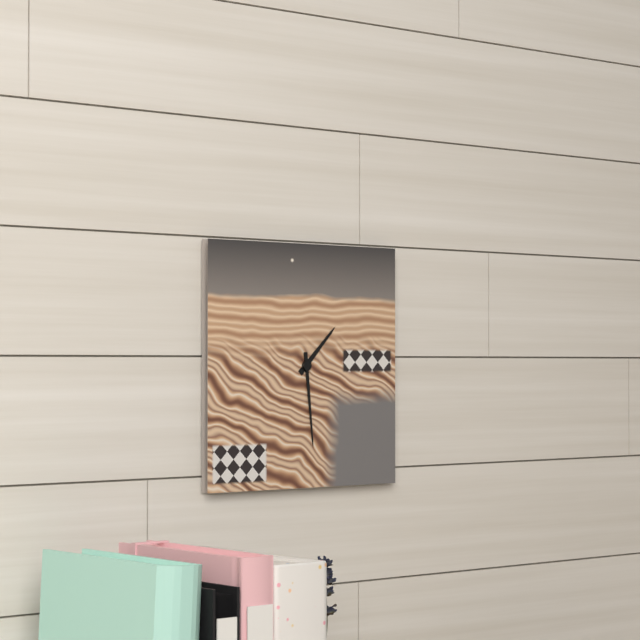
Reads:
{"hour": 1, "minute": 29}
